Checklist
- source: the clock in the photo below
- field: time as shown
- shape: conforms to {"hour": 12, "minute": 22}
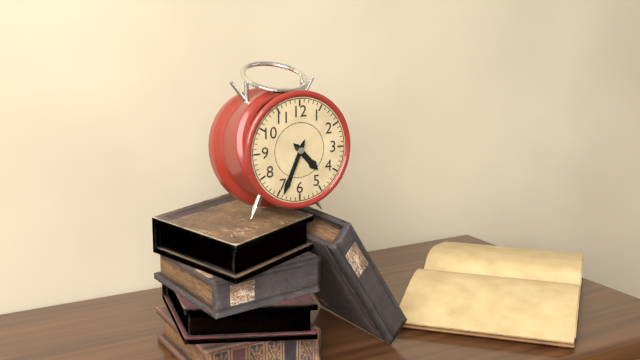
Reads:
{"hour": 4, "minute": 34}
